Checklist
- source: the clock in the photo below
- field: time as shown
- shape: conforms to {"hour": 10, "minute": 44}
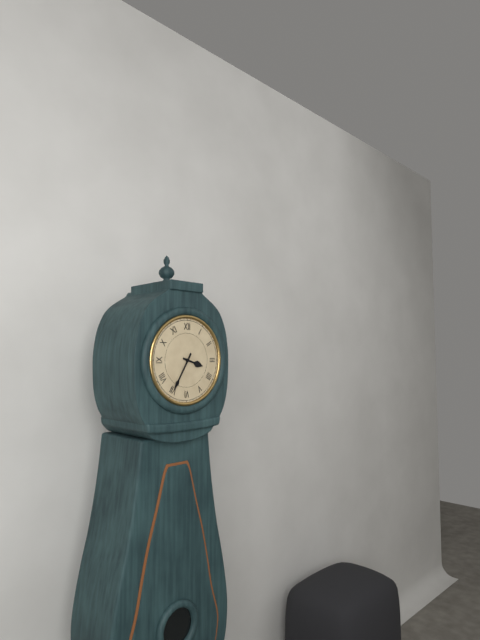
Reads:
{"hour": 3, "minute": 35}
